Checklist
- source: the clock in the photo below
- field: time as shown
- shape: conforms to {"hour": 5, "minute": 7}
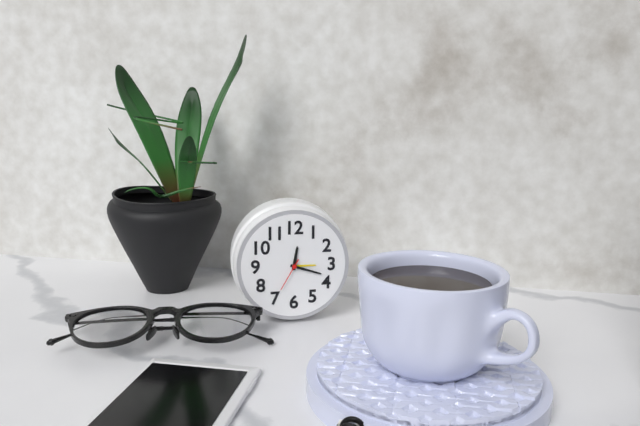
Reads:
{"hour": 12, "minute": 18}
